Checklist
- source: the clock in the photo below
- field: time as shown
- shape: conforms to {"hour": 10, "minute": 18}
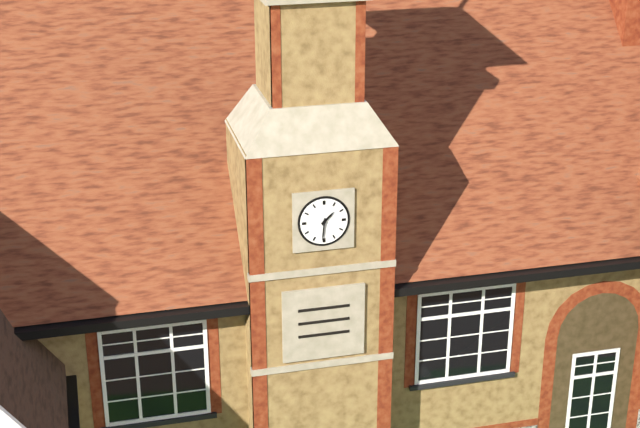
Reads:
{"hour": 1, "minute": 31}
